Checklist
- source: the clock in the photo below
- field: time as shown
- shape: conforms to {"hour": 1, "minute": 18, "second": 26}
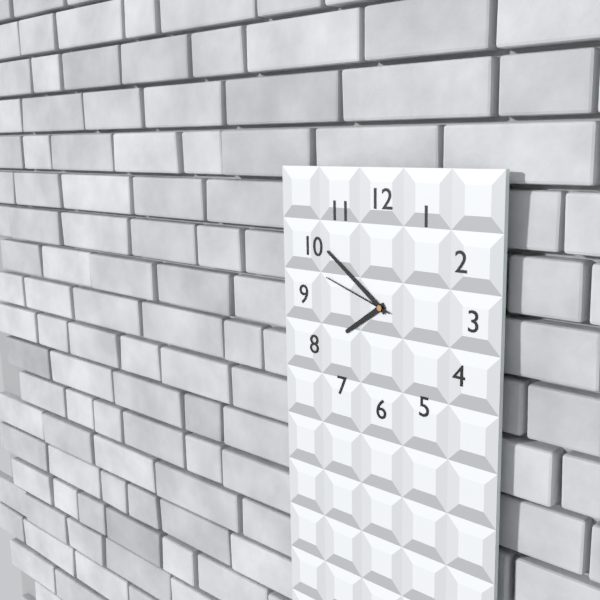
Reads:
{"hour": 7, "minute": 51, "second": 48}
